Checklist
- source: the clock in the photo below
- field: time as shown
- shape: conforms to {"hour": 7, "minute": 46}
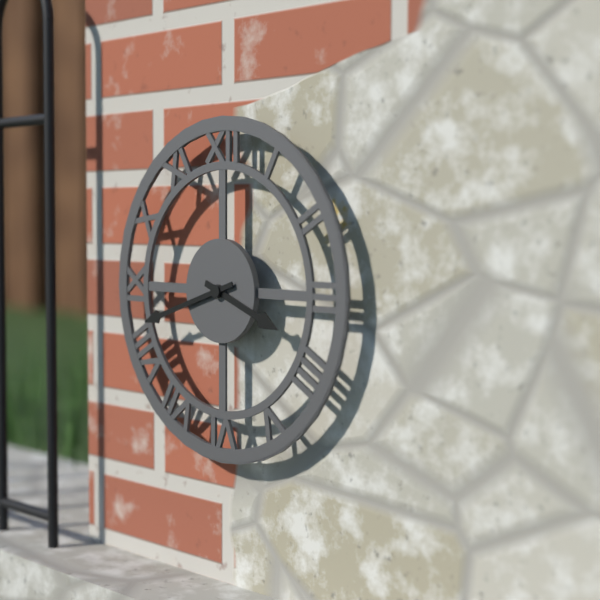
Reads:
{"hour": 3, "minute": 42}
